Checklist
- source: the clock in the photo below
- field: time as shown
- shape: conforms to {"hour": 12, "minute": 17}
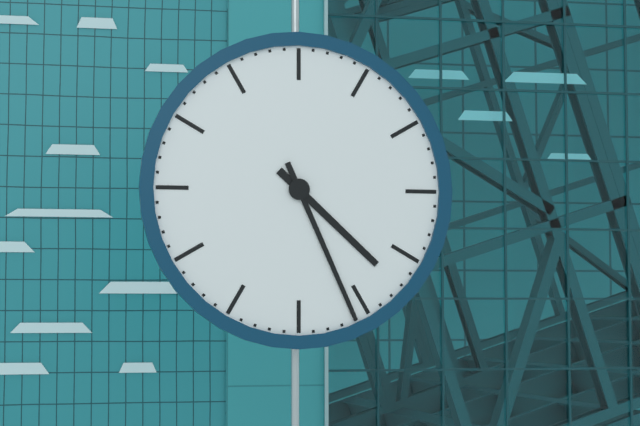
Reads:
{"hour": 4, "minute": 26}
